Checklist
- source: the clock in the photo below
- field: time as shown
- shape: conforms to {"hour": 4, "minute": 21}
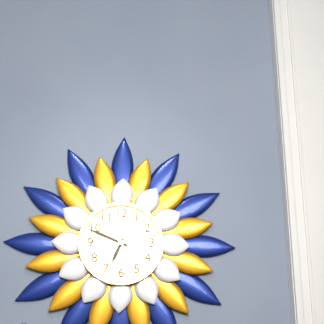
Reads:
{"hour": 6, "minute": 49}
